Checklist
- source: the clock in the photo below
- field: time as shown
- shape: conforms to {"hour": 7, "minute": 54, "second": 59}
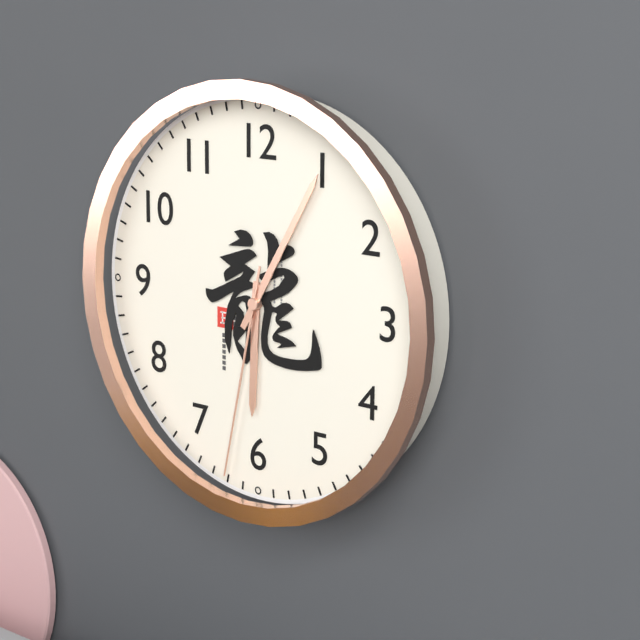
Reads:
{"hour": 6, "minute": 5, "second": 32}
